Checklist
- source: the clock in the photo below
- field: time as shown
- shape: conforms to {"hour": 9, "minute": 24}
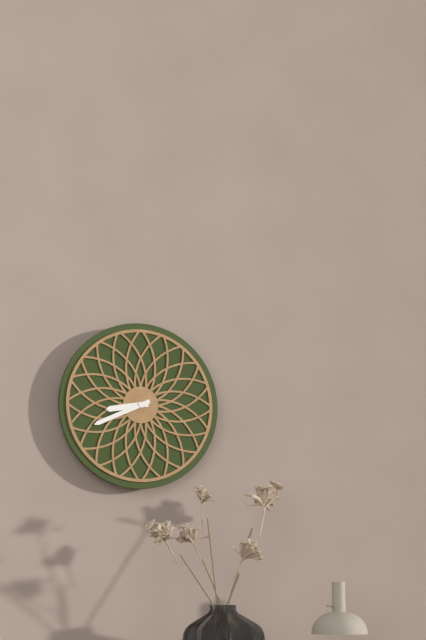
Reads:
{"hour": 8, "minute": 41}
